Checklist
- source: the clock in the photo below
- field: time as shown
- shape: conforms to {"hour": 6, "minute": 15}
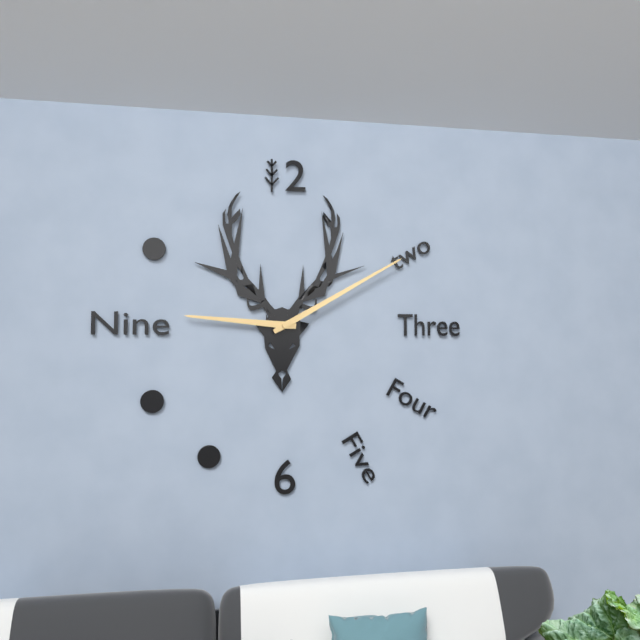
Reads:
{"hour": 9, "minute": 10}
